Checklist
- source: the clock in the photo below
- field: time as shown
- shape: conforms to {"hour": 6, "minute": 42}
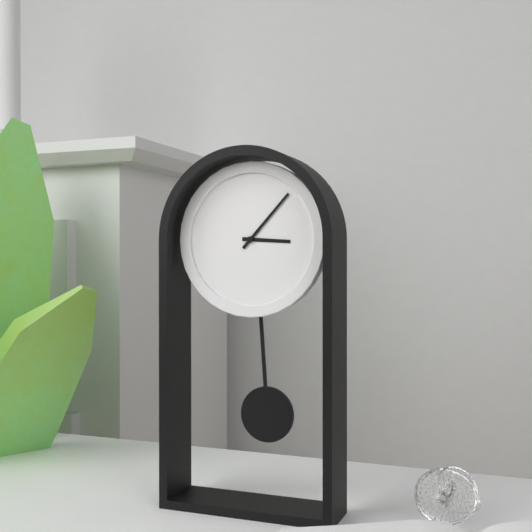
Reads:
{"hour": 3, "minute": 7}
